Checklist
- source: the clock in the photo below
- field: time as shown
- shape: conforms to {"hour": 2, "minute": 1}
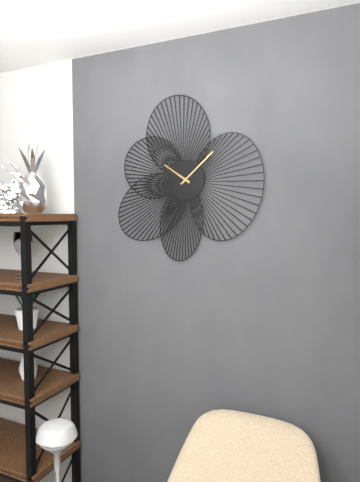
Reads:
{"hour": 10, "minute": 8}
